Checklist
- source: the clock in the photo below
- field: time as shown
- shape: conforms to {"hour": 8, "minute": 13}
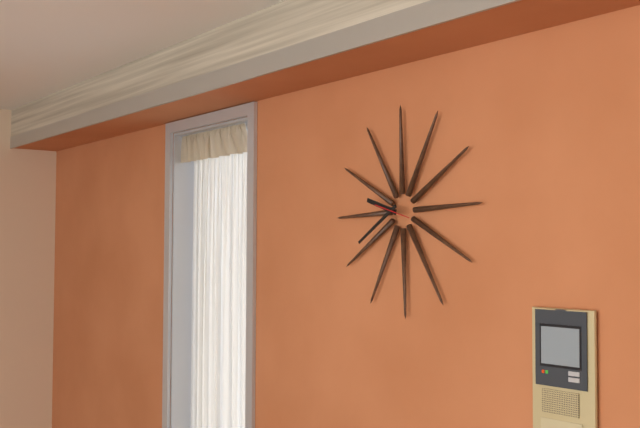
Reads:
{"hour": 9, "minute": 40}
